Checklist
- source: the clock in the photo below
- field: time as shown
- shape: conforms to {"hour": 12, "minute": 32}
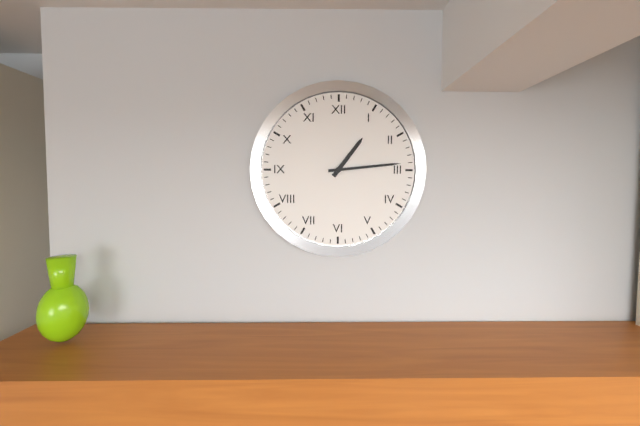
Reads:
{"hour": 1, "minute": 14}
